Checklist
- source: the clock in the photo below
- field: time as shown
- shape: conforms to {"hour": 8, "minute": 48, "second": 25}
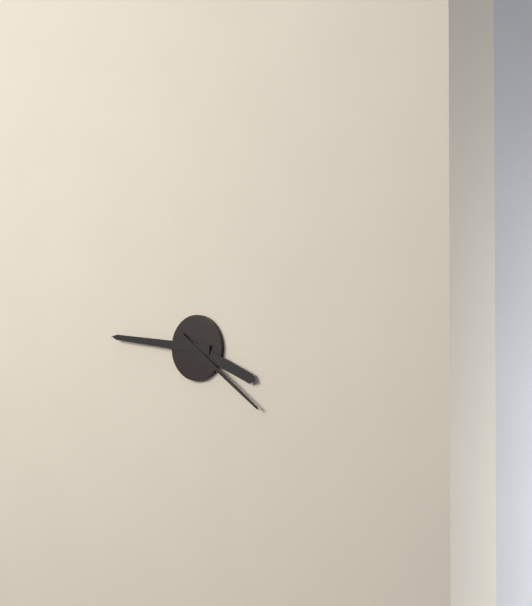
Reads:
{"hour": 3, "minute": 46, "second": 21}
